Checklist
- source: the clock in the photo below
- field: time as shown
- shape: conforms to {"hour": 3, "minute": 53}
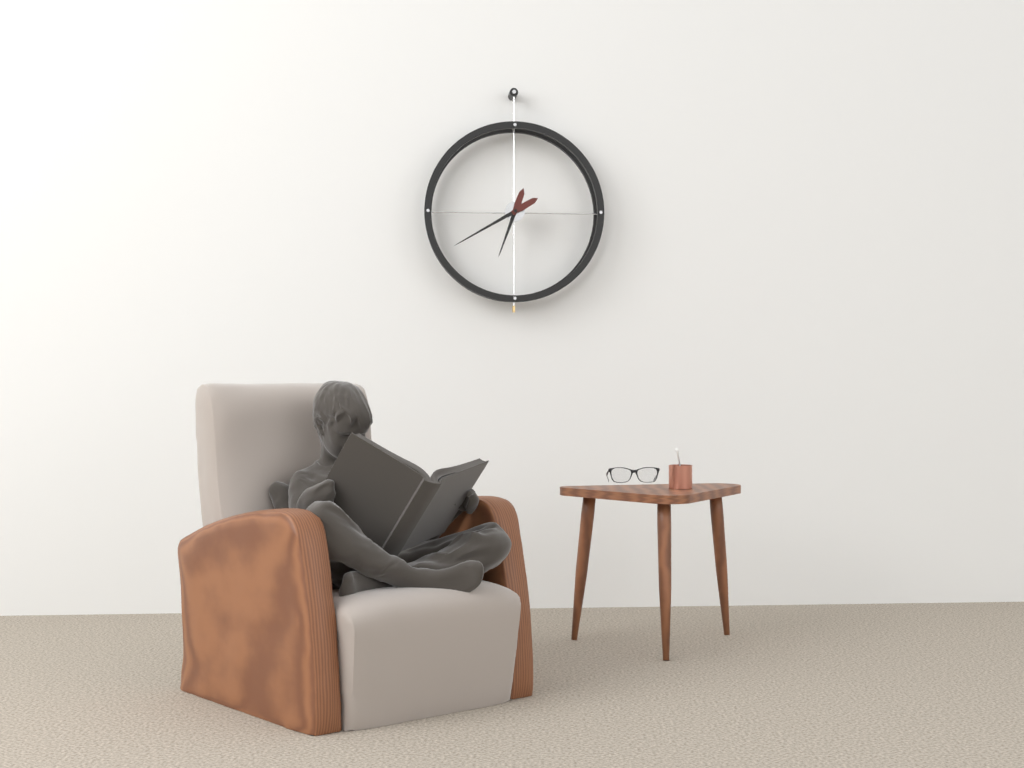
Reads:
{"hour": 6, "minute": 40}
